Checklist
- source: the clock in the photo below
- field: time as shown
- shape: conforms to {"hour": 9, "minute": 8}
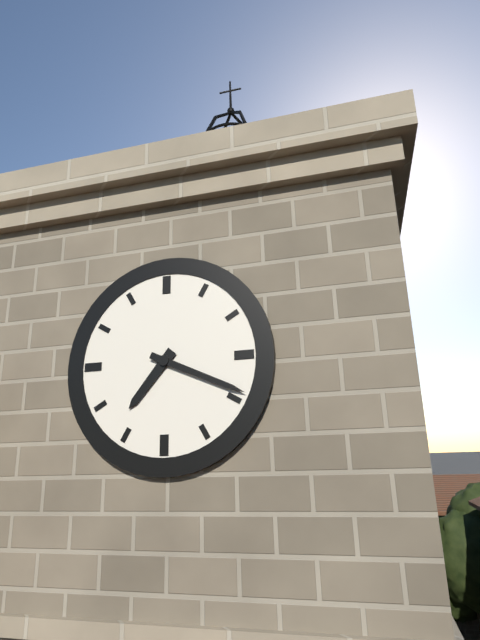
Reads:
{"hour": 7, "minute": 19}
